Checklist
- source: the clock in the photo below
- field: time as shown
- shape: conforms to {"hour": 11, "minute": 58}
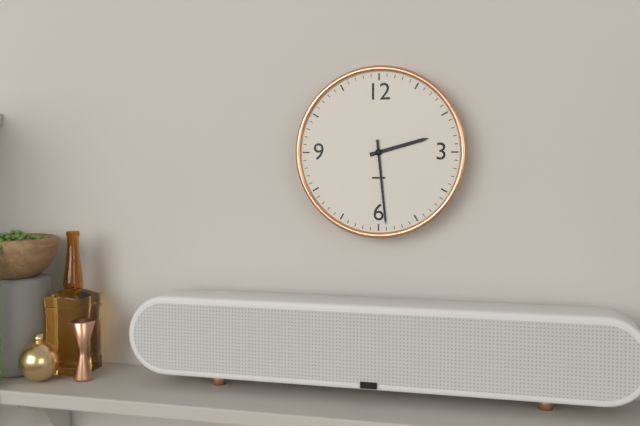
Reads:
{"hour": 2, "minute": 29}
